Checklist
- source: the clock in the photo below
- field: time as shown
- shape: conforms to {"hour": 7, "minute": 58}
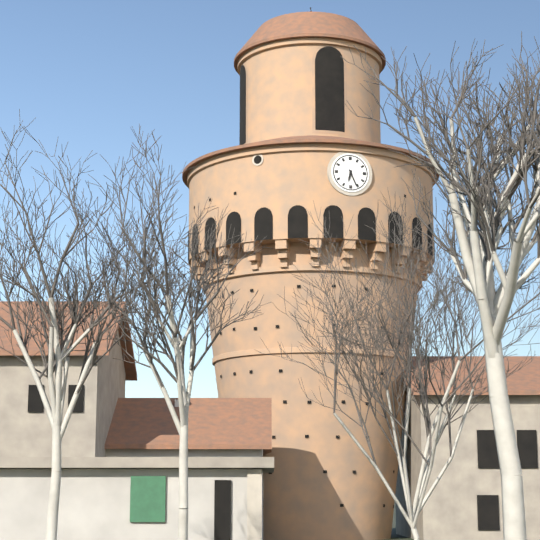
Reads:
{"hour": 6, "minute": 26}
